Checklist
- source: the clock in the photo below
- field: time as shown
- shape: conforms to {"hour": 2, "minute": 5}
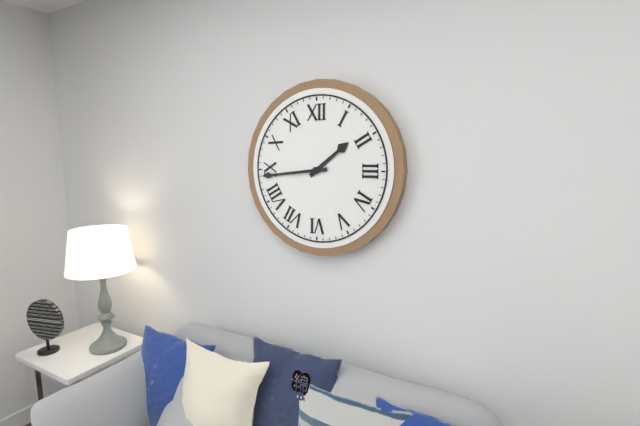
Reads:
{"hour": 1, "minute": 44}
